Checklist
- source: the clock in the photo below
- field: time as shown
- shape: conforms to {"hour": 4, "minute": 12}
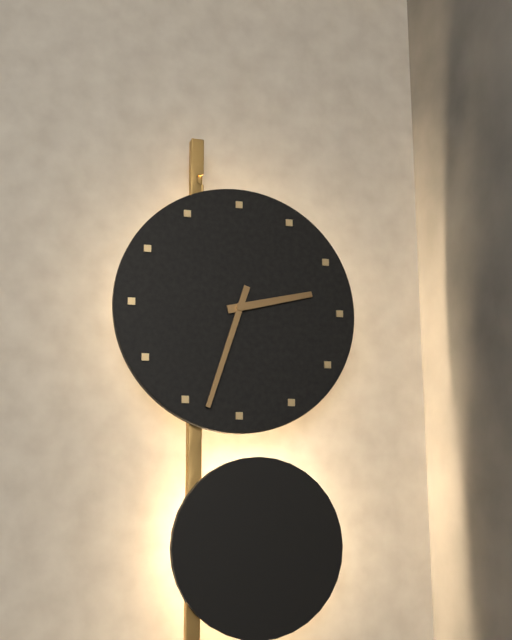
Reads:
{"hour": 2, "minute": 33}
